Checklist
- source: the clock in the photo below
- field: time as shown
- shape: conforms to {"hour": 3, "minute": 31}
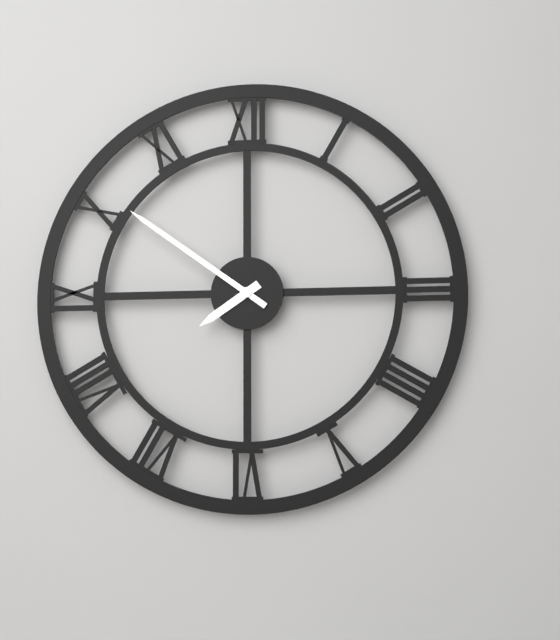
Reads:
{"hour": 7, "minute": 51}
